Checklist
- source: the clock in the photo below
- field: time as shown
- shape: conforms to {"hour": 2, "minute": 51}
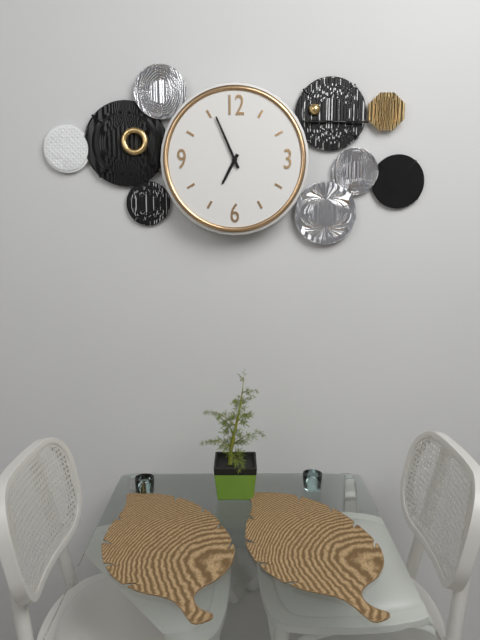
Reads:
{"hour": 6, "minute": 56}
